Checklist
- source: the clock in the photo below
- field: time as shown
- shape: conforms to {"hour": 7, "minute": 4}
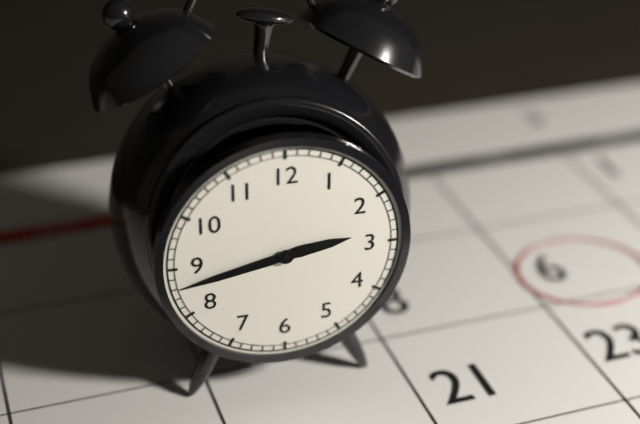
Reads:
{"hour": 2, "minute": 43}
